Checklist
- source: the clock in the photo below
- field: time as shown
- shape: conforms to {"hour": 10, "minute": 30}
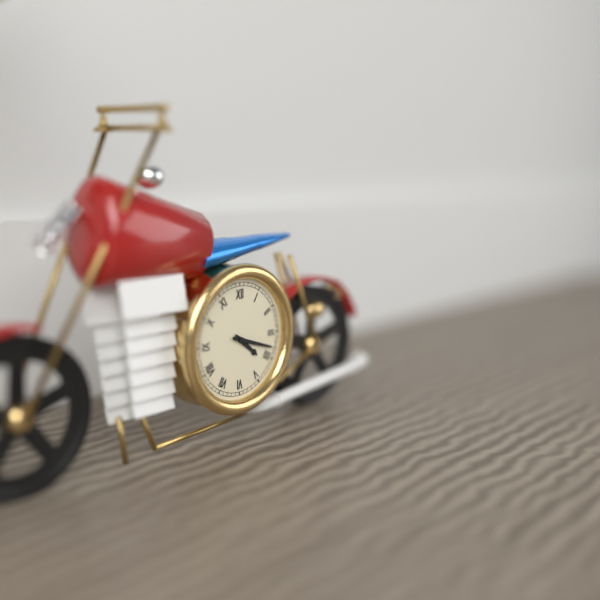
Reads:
{"hour": 4, "minute": 18}
